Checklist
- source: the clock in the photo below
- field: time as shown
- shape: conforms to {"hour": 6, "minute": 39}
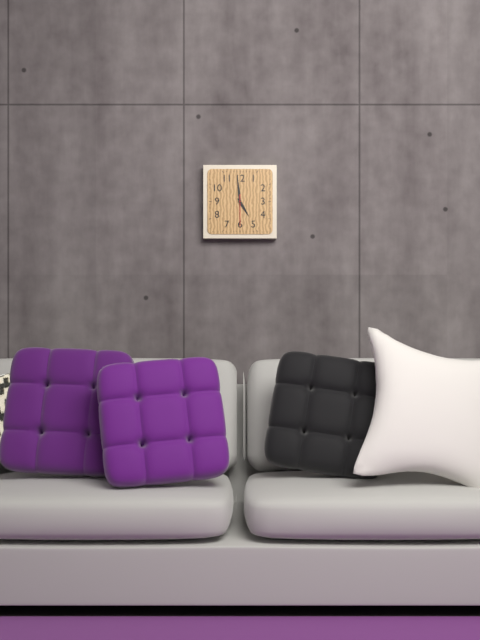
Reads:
{"hour": 4, "minute": 59}
